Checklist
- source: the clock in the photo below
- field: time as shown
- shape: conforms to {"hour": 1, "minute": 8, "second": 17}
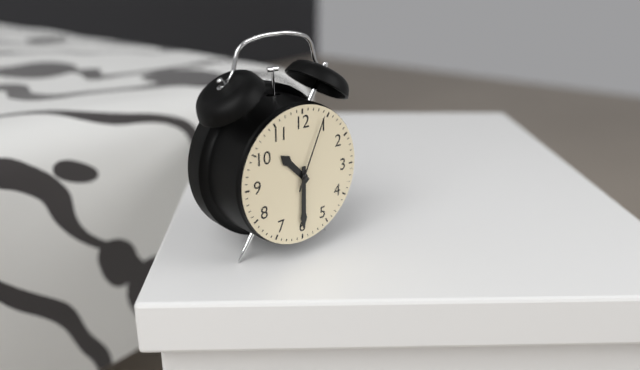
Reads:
{"hour": 10, "minute": 30, "second": 4}
